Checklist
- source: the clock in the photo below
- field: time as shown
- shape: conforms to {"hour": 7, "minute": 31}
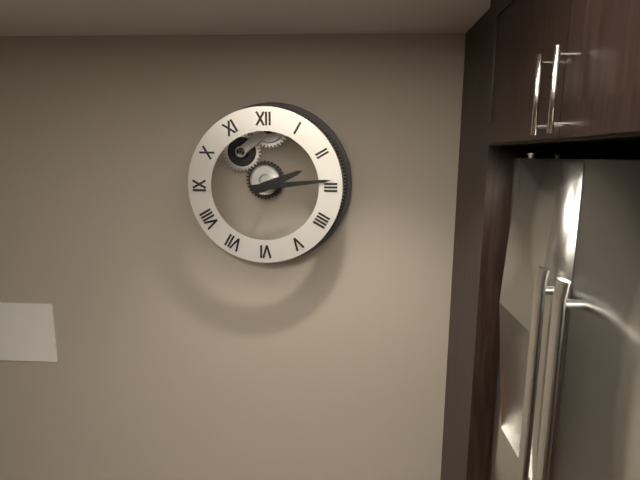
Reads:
{"hour": 2, "minute": 14}
